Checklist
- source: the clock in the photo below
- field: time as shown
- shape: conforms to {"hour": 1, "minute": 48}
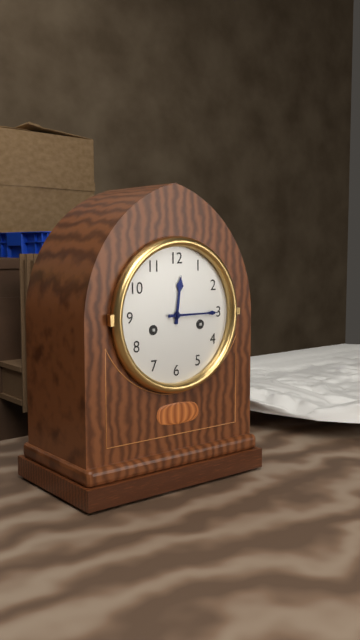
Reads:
{"hour": 12, "minute": 15}
